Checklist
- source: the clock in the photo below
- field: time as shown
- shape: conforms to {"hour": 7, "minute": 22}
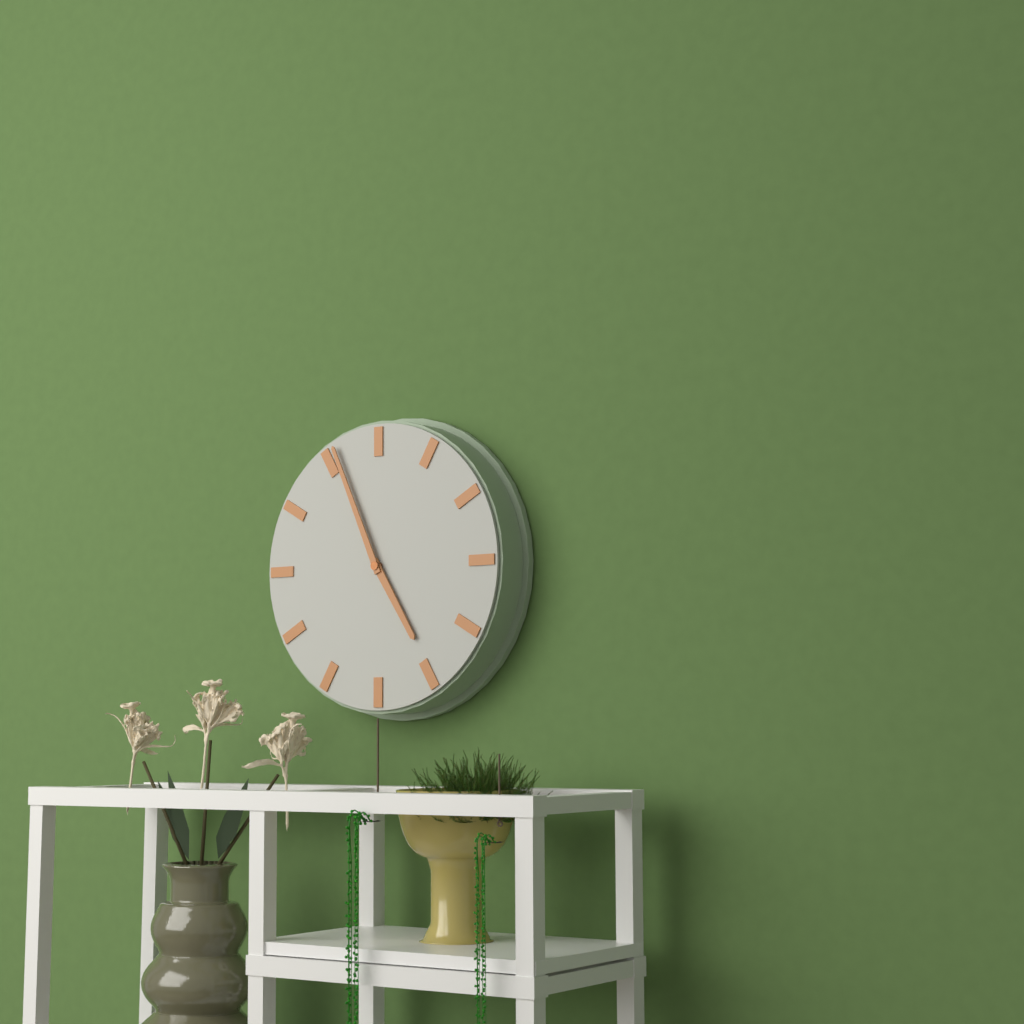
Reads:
{"hour": 4, "minute": 56}
